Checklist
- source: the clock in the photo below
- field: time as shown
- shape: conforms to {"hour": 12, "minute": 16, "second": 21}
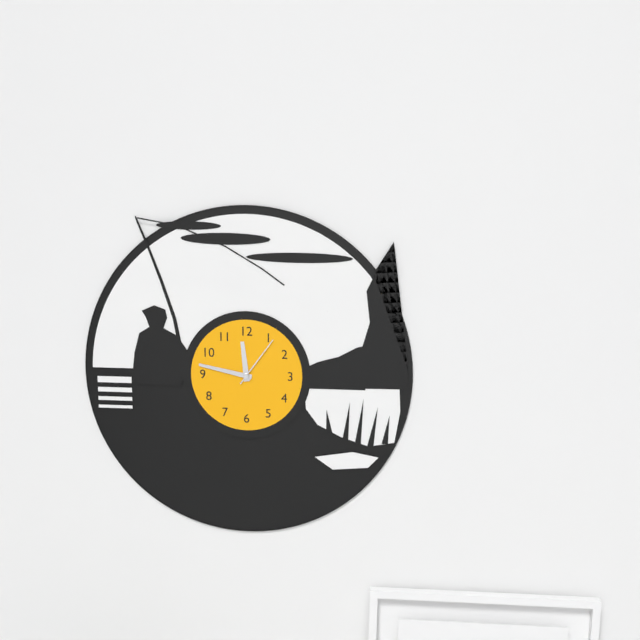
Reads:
{"hour": 11, "minute": 47, "second": 6}
